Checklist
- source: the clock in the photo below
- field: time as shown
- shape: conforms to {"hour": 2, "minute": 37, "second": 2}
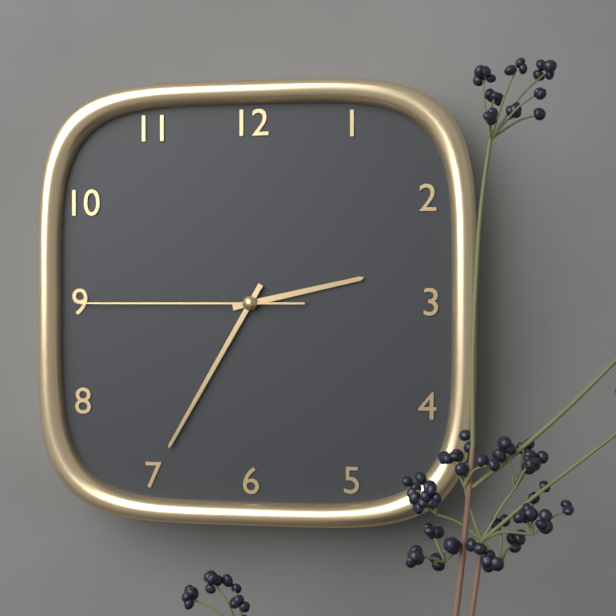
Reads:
{"hour": 2, "minute": 35, "second": 45}
